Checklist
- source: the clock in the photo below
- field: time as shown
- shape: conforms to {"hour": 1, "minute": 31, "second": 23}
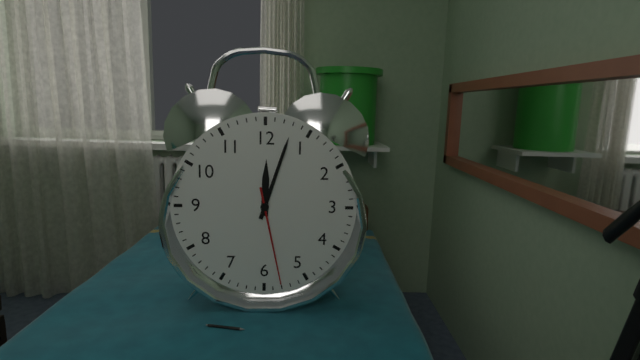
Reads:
{"hour": 12, "minute": 3, "second": 28}
